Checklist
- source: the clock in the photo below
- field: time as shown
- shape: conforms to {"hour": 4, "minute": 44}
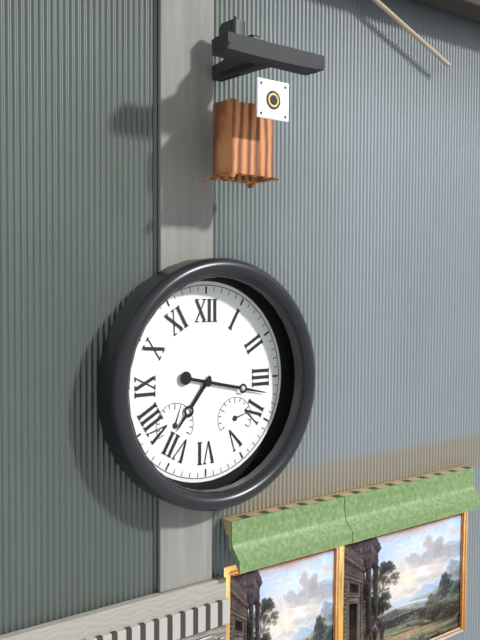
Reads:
{"hour": 7, "minute": 17}
